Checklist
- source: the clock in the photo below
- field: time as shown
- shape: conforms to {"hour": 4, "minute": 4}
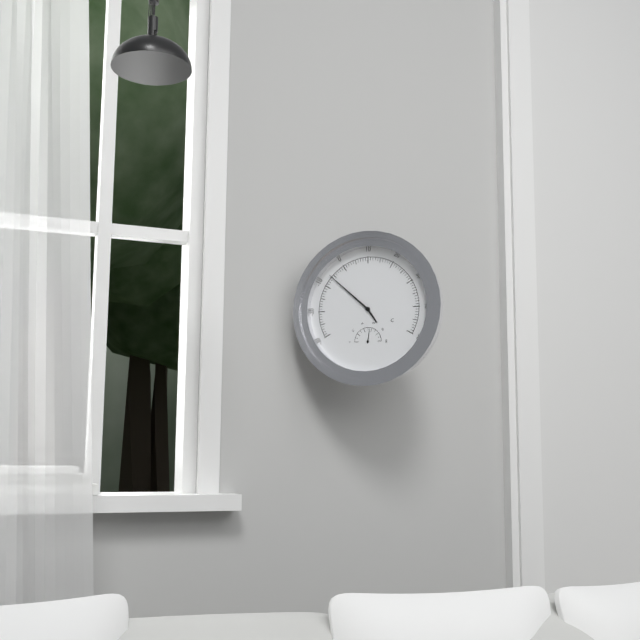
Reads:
{"hour": 4, "minute": 52}
